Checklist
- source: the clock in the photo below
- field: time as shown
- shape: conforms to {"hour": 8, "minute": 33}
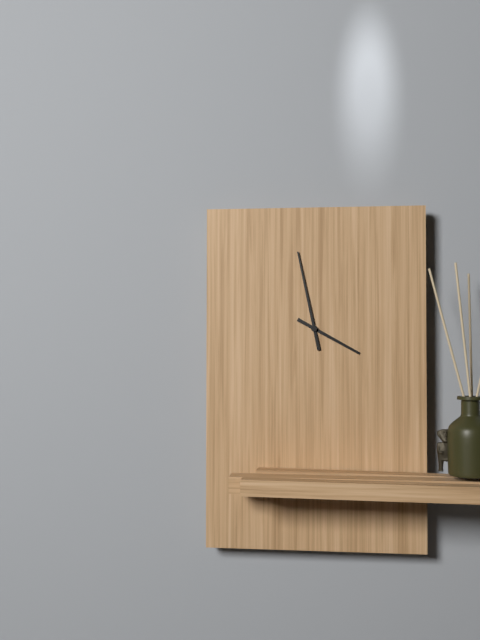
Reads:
{"hour": 3, "minute": 58}
